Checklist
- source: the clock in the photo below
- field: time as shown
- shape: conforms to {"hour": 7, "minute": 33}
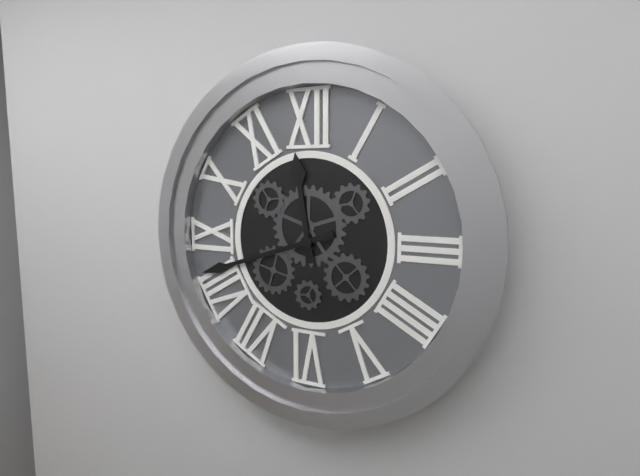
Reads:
{"hour": 11, "minute": 42}
